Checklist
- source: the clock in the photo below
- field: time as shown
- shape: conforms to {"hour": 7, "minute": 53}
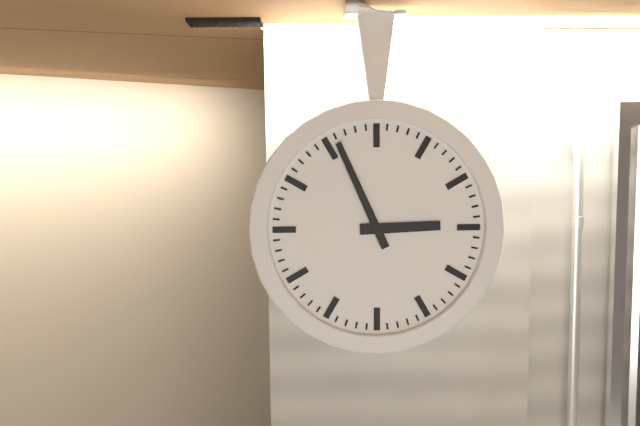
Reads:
{"hour": 2, "minute": 56}
